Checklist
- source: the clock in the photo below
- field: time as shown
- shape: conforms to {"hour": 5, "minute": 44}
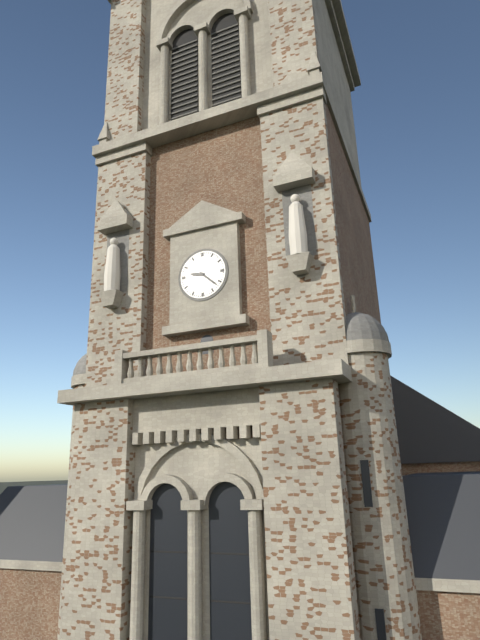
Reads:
{"hour": 9, "minute": 22}
